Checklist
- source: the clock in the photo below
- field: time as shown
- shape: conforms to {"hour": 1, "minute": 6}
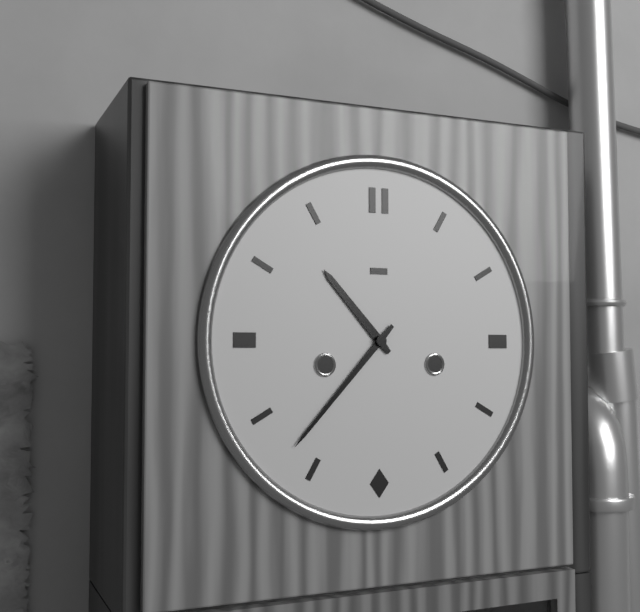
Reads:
{"hour": 10, "minute": 37}
